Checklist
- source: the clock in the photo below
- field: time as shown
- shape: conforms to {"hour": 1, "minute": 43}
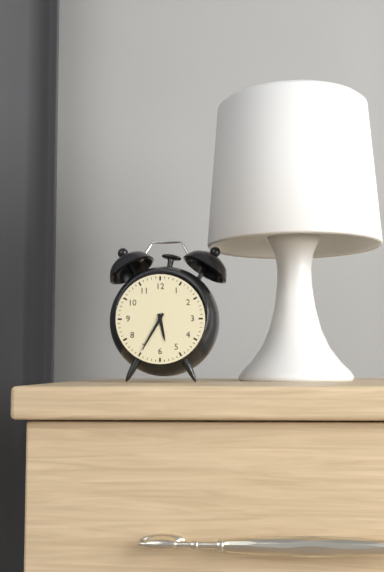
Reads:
{"hour": 5, "minute": 35}
